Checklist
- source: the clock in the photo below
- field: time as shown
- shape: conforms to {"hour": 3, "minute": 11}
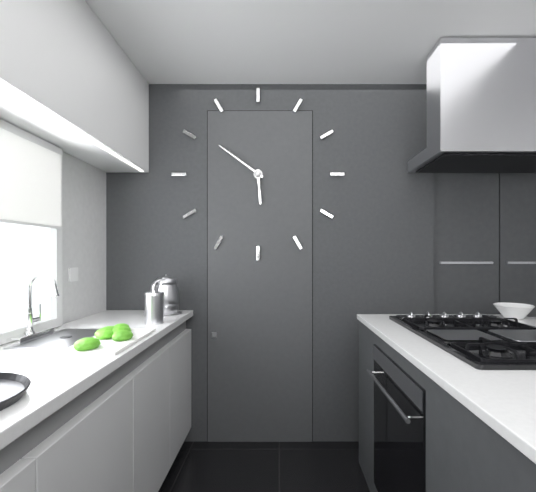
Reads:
{"hour": 5, "minute": 51}
